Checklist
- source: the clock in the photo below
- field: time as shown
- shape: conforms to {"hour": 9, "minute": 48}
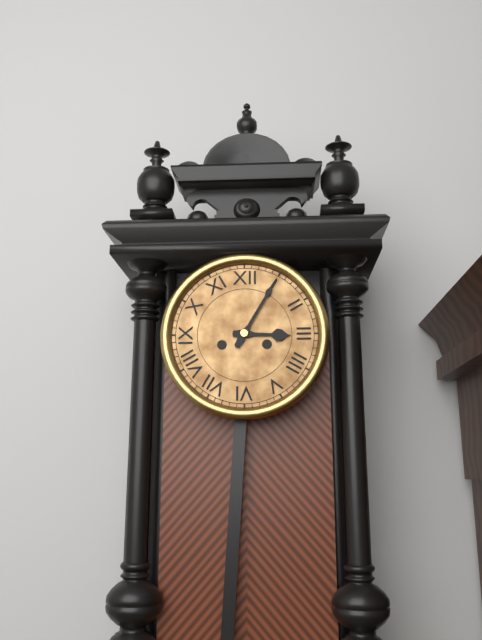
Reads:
{"hour": 3, "minute": 5}
